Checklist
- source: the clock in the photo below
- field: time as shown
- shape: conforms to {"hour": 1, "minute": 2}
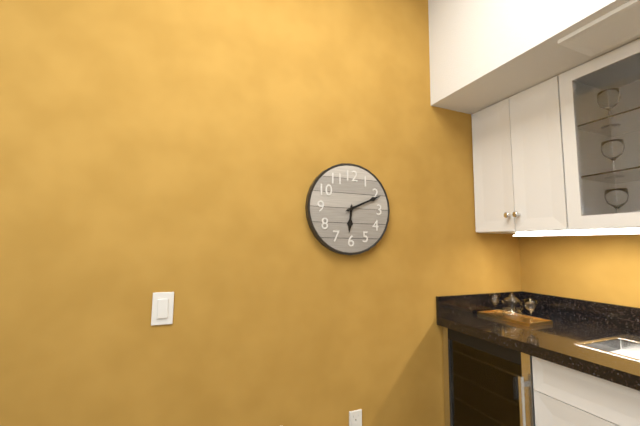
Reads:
{"hour": 6, "minute": 11}
